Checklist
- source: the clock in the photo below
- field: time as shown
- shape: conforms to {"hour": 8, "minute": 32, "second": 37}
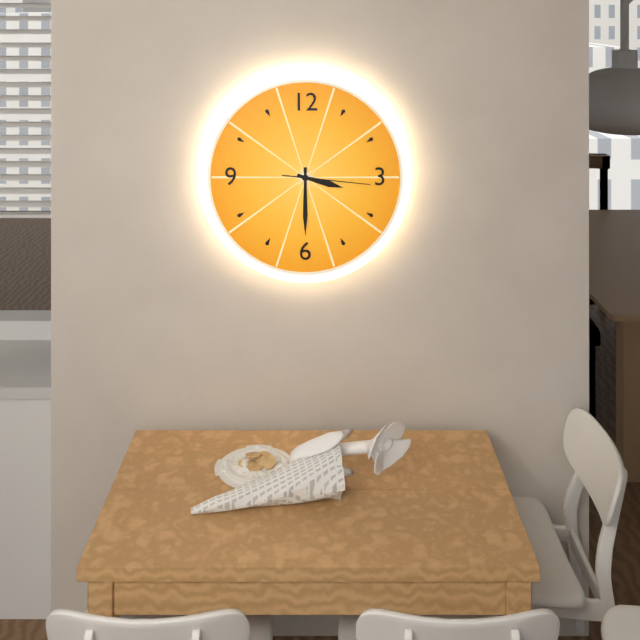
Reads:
{"hour": 3, "minute": 30, "second": 16}
